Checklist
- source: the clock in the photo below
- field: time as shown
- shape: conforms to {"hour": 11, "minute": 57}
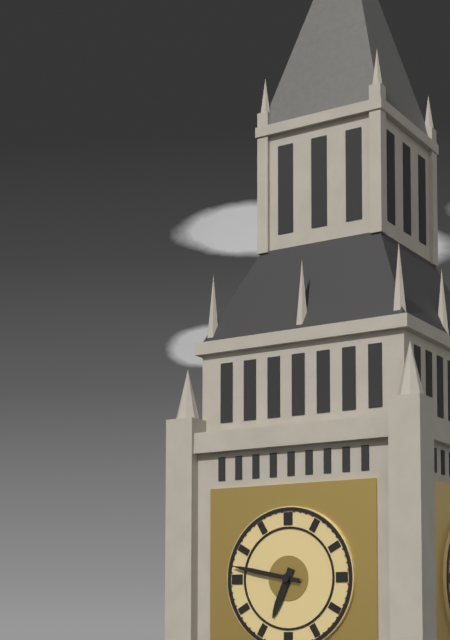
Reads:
{"hour": 6, "minute": 47}
